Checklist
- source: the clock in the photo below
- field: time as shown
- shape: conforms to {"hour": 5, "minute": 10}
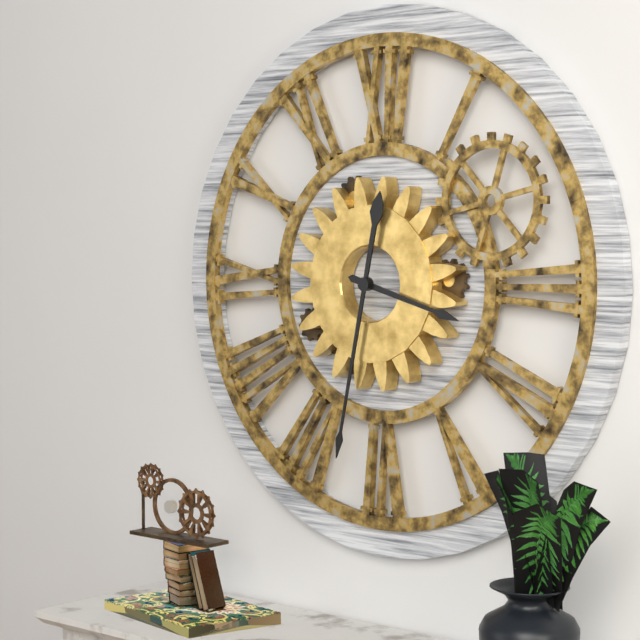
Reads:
{"hour": 3, "minute": 32}
